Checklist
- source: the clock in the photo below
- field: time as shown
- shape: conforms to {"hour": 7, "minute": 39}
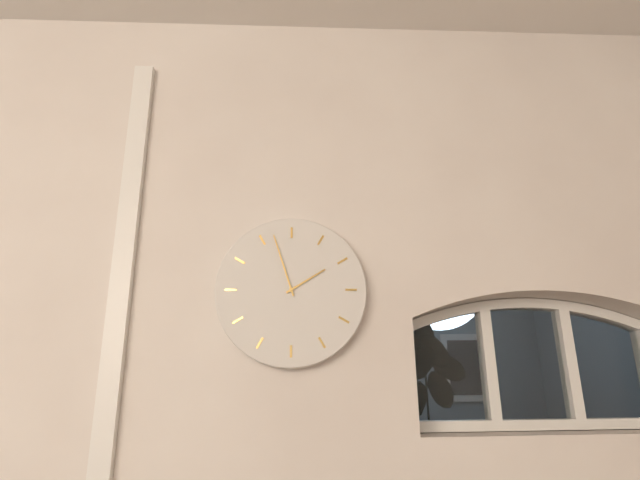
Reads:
{"hour": 1, "minute": 57}
